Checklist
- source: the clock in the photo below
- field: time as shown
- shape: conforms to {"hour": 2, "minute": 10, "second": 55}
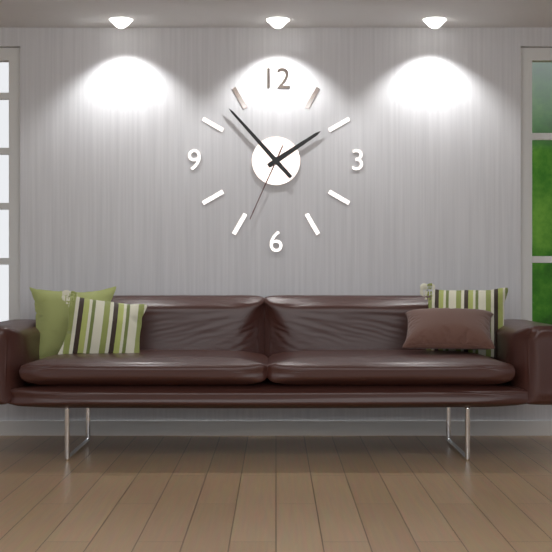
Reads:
{"hour": 1, "minute": 53, "second": 34}
